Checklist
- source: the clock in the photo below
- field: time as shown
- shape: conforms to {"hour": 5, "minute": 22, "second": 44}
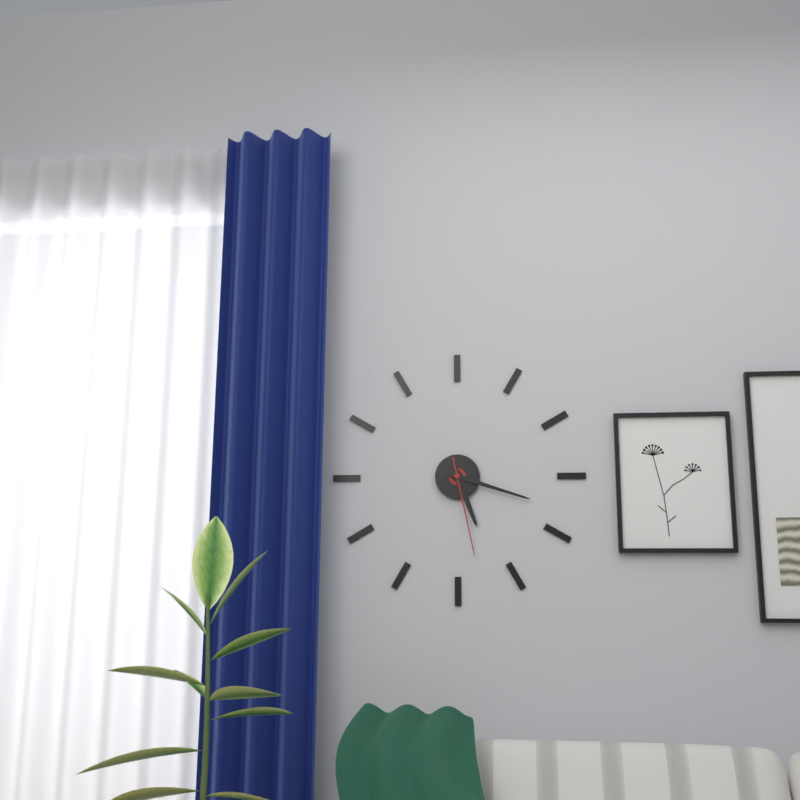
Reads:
{"hour": 5, "minute": 18, "second": 28}
